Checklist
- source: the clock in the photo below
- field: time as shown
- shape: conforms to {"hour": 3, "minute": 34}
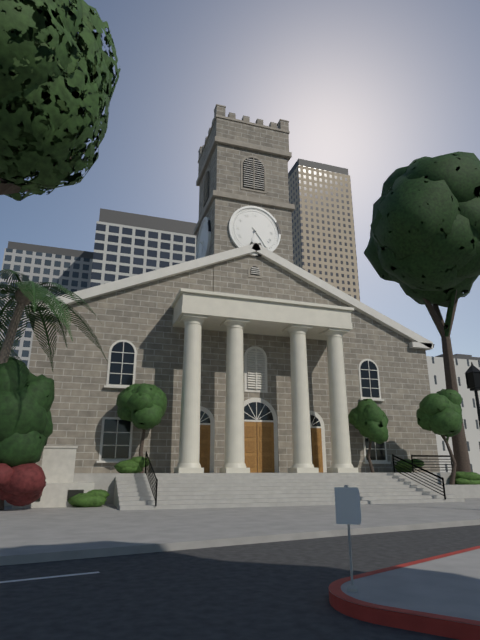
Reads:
{"hour": 6, "minute": 24}
